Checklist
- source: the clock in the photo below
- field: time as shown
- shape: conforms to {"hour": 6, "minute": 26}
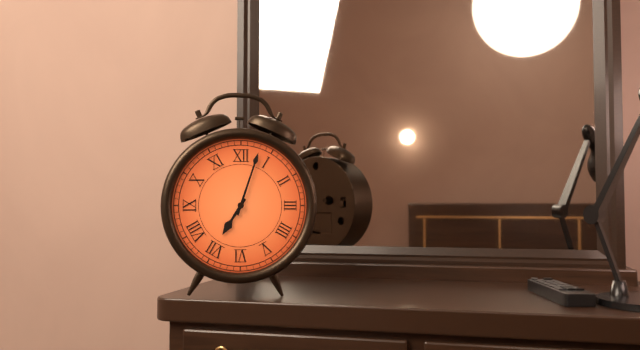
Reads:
{"hour": 7, "minute": 3}
